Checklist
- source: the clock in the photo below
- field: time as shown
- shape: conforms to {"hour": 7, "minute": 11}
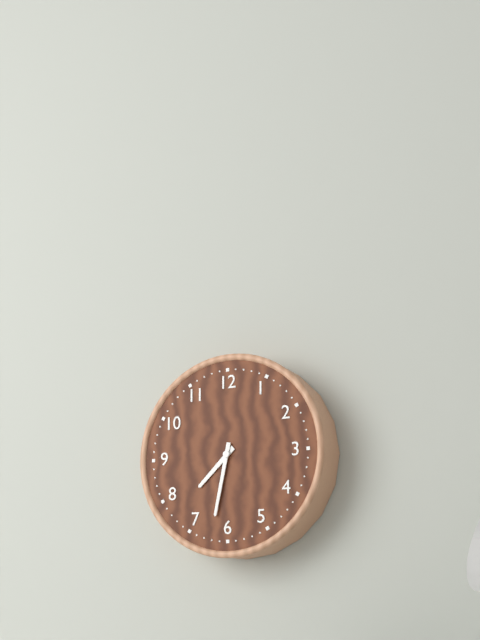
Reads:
{"hour": 7, "minute": 32}
